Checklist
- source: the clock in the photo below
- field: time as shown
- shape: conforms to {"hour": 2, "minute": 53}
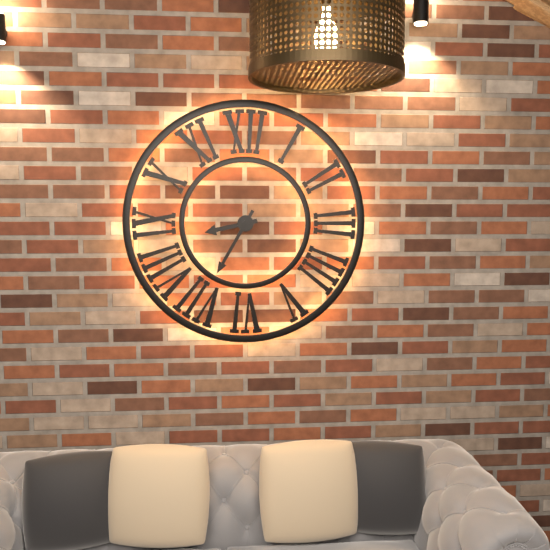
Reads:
{"hour": 8, "minute": 35}
